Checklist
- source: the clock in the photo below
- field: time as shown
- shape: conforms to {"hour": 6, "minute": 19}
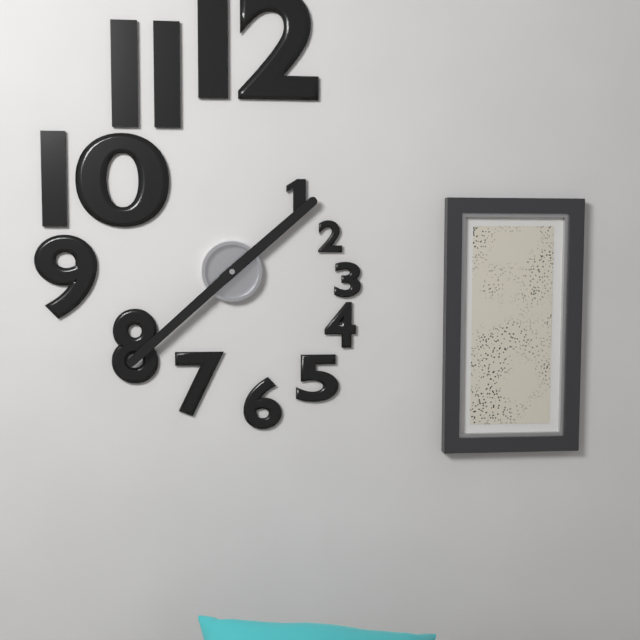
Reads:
{"hour": 1, "minute": 38}
